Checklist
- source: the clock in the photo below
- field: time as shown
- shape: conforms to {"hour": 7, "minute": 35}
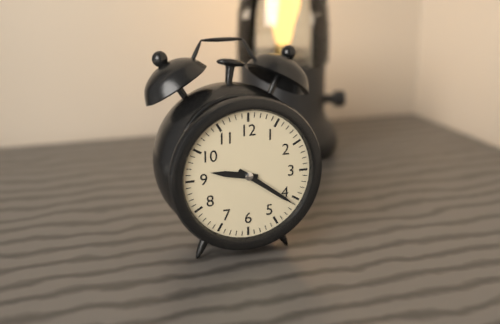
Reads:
{"hour": 9, "minute": 21}
